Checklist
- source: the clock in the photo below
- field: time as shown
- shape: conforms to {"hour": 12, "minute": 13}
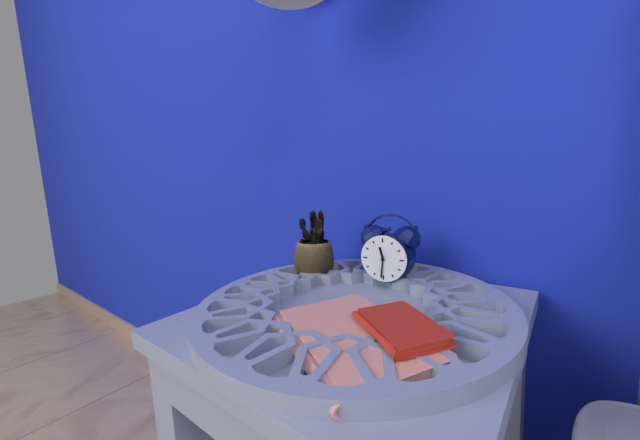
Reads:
{"hour": 11, "minute": 31}
